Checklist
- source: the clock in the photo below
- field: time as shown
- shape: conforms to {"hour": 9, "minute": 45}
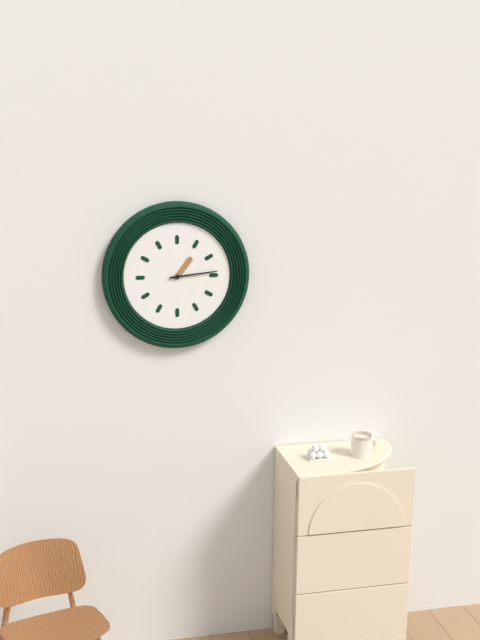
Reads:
{"hour": 1, "minute": 14}
